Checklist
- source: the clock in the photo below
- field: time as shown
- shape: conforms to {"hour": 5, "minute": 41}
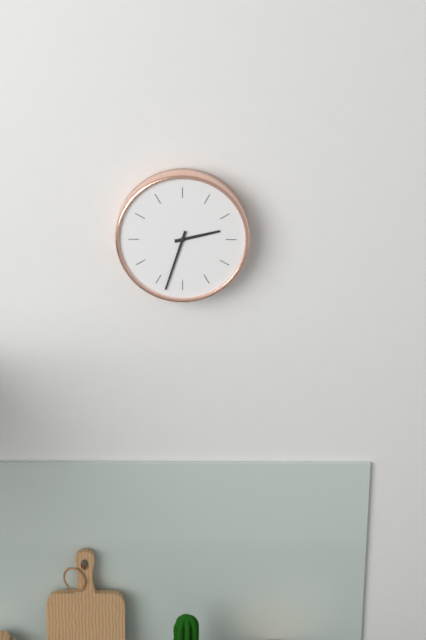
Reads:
{"hour": 2, "minute": 33}
